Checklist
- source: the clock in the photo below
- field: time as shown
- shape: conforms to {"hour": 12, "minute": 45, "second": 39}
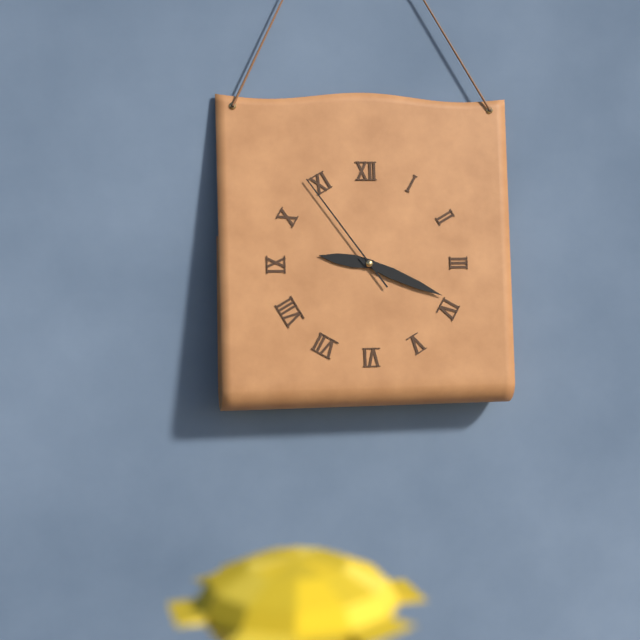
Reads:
{"hour": 9, "minute": 19, "second": 54}
